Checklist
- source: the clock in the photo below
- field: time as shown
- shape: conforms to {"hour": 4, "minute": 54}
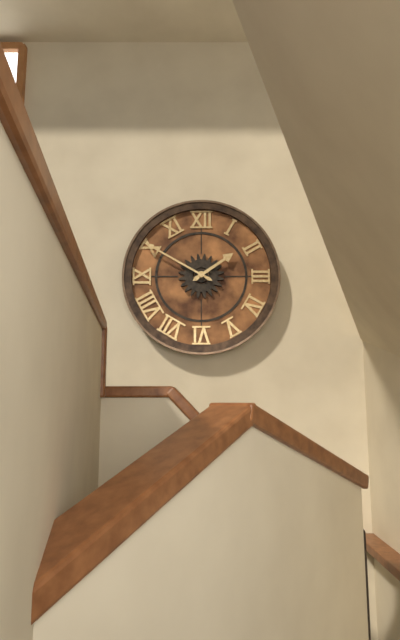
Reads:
{"hour": 1, "minute": 50}
